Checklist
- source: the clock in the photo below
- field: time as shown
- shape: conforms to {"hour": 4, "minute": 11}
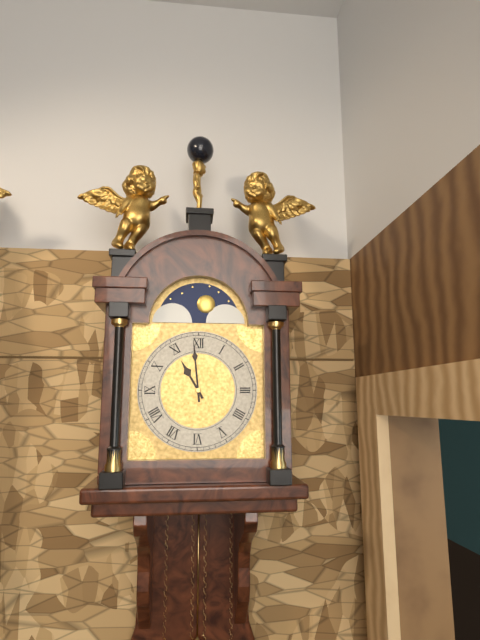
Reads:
{"hour": 10, "minute": 59}
